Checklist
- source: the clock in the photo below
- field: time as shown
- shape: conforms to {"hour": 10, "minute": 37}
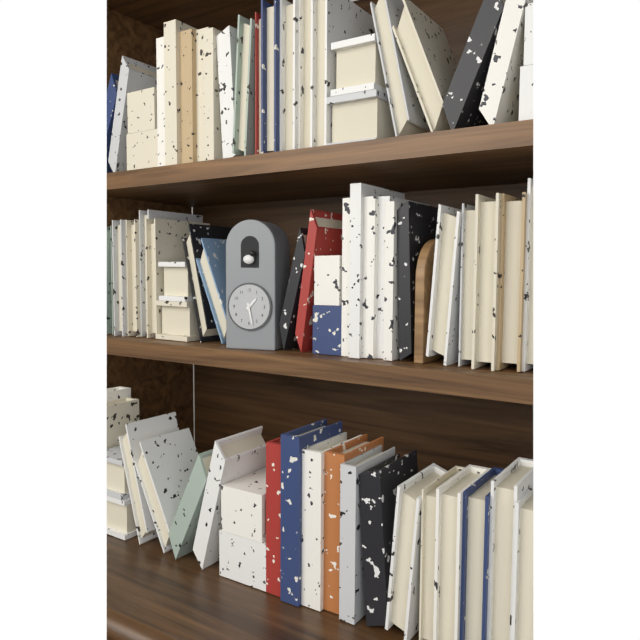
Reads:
{"hour": 1, "minute": 28}
